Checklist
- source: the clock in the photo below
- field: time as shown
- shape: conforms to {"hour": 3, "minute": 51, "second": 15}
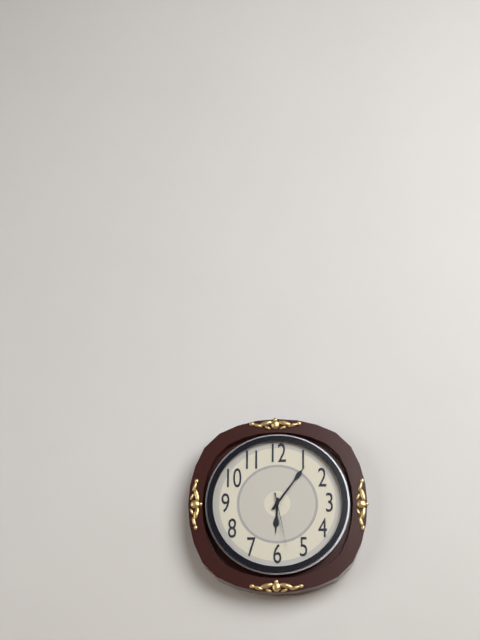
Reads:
{"hour": 6, "minute": 6, "second": 28}
